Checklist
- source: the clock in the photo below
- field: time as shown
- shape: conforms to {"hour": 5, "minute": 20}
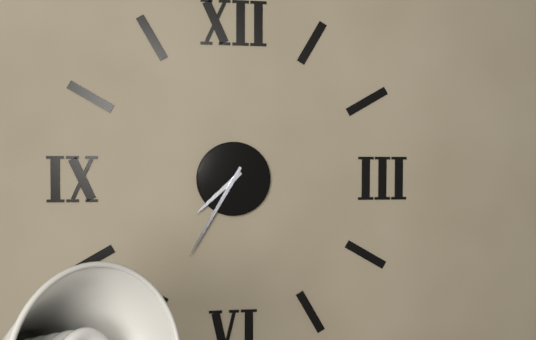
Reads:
{"hour": 7, "minute": 35}
